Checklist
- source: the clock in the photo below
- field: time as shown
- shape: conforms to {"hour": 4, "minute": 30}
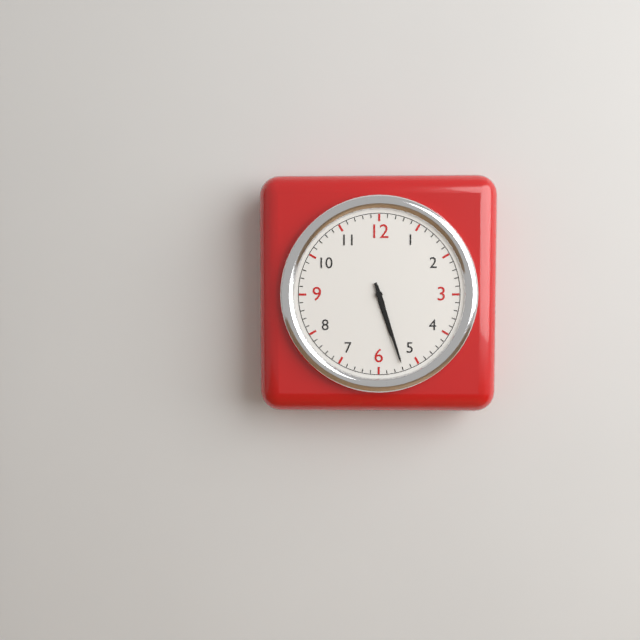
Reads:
{"hour": 5, "minute": 27}
